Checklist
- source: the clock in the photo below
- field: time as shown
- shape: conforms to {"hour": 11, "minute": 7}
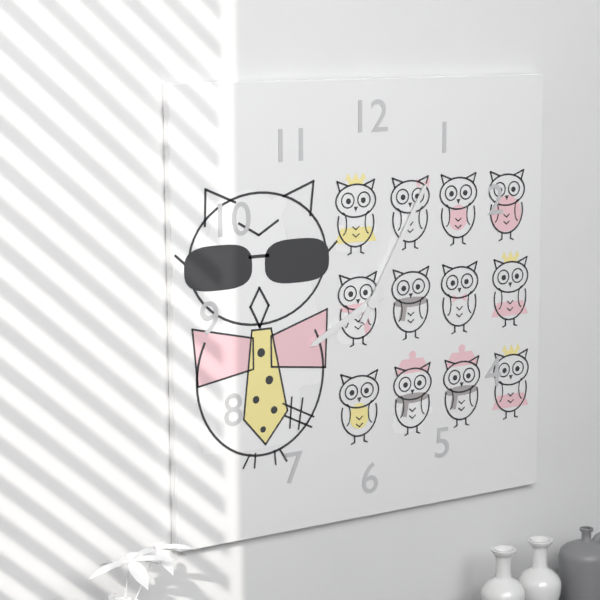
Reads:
{"hour": 8, "minute": 5}
